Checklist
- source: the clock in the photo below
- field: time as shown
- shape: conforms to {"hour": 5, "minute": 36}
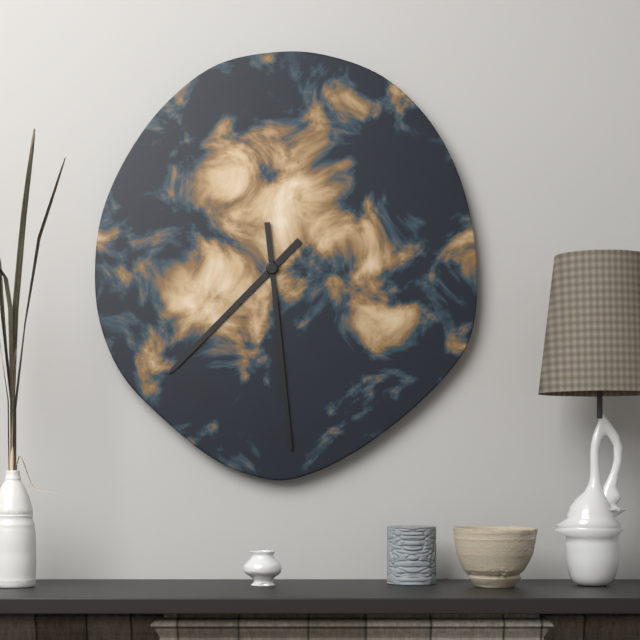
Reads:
{"hour": 7, "minute": 29}
